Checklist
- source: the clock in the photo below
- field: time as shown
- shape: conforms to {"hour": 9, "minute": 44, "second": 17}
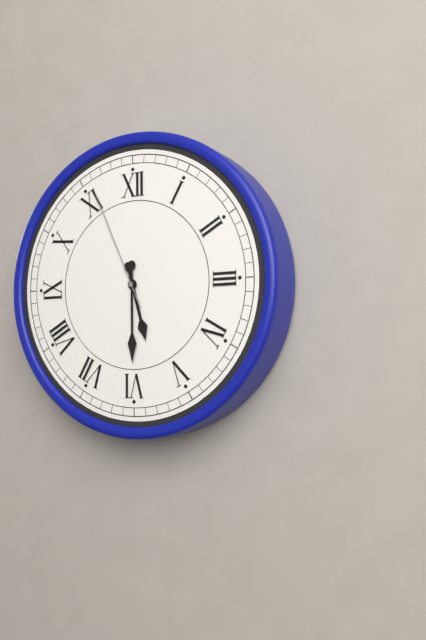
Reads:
{"hour": 5, "minute": 30, "second": 56}
